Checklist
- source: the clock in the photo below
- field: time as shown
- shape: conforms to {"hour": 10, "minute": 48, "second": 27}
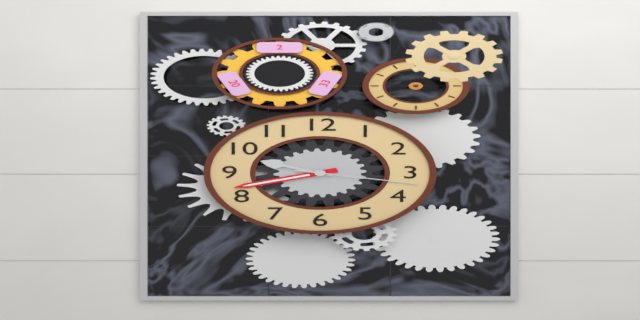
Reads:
{"hour": 9, "minute": 42, "second": 17}
